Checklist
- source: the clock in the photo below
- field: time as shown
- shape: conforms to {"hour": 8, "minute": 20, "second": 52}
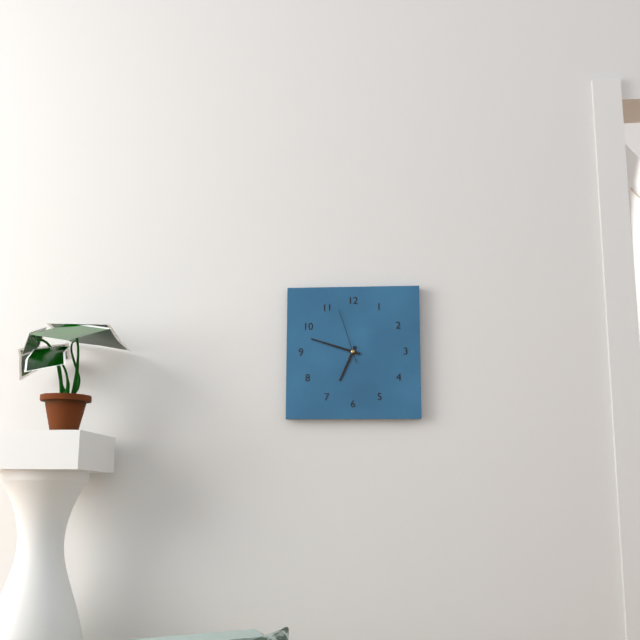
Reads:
{"hour": 6, "minute": 48, "second": 57}
